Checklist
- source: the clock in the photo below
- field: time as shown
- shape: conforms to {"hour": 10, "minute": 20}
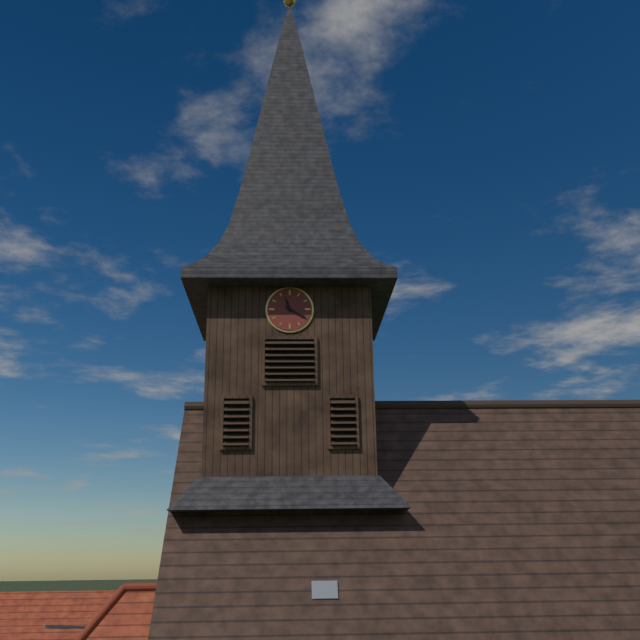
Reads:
{"hour": 11, "minute": 20}
